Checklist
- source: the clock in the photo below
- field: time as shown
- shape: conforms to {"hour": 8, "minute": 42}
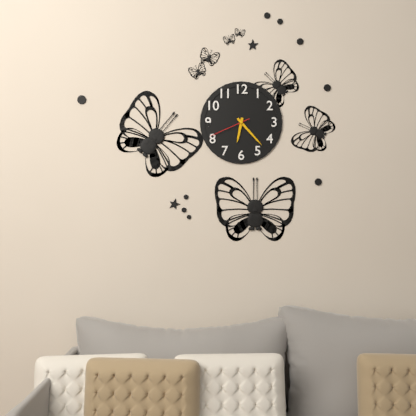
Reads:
{"hour": 6, "minute": 23}
